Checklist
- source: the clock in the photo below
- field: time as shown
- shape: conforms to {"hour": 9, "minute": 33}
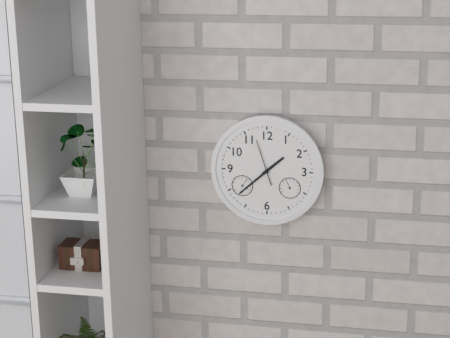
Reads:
{"hour": 1, "minute": 38}
